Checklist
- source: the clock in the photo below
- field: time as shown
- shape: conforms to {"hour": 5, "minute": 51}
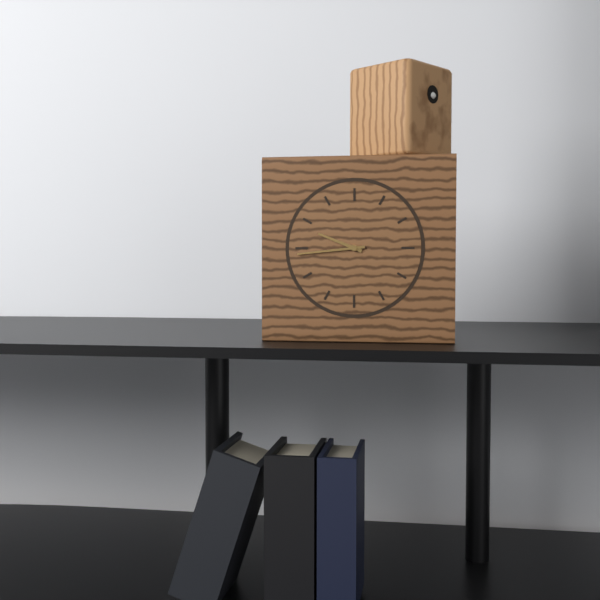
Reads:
{"hour": 9, "minute": 44}
